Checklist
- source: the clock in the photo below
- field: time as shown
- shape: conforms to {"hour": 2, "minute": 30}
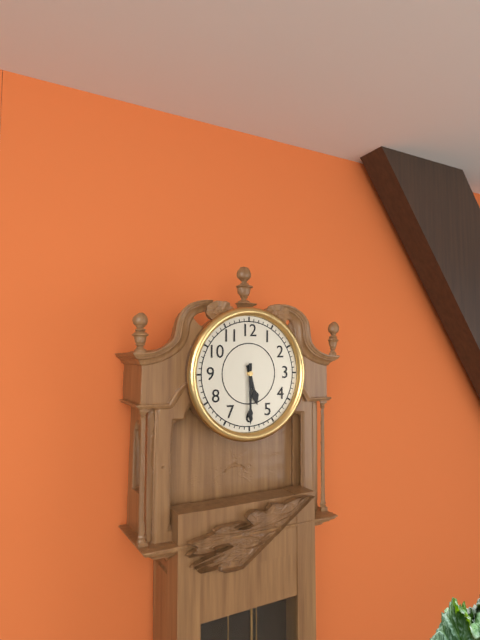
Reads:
{"hour": 5, "minute": 30}
